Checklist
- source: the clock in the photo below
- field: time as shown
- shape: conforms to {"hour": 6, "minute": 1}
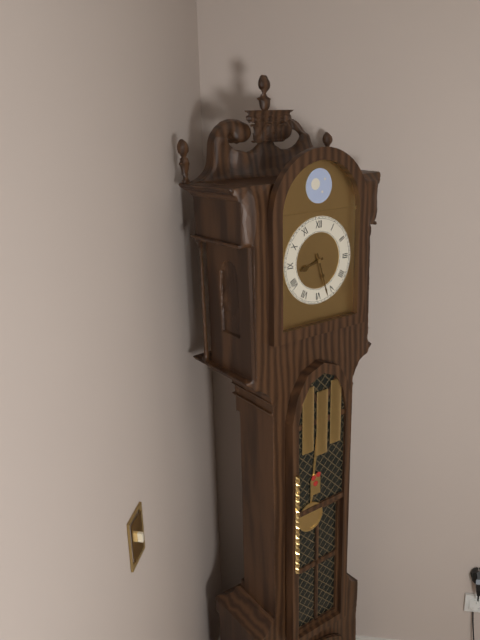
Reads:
{"hour": 8, "minute": 27}
